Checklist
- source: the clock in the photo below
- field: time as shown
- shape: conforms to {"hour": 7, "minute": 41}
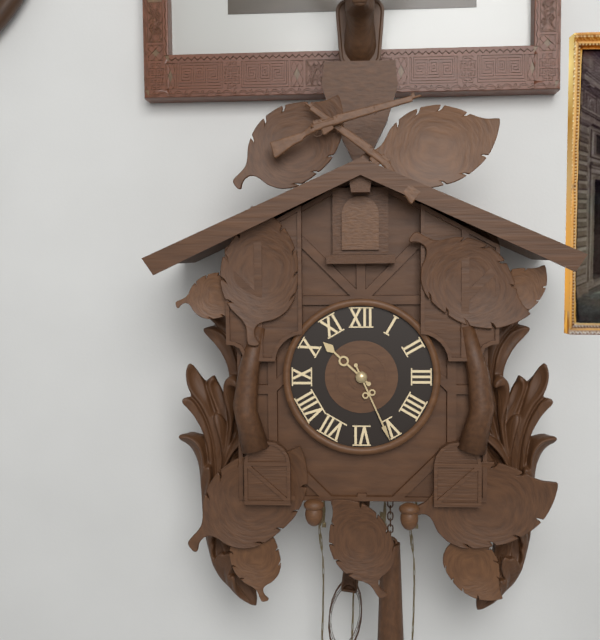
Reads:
{"hour": 10, "minute": 26}
